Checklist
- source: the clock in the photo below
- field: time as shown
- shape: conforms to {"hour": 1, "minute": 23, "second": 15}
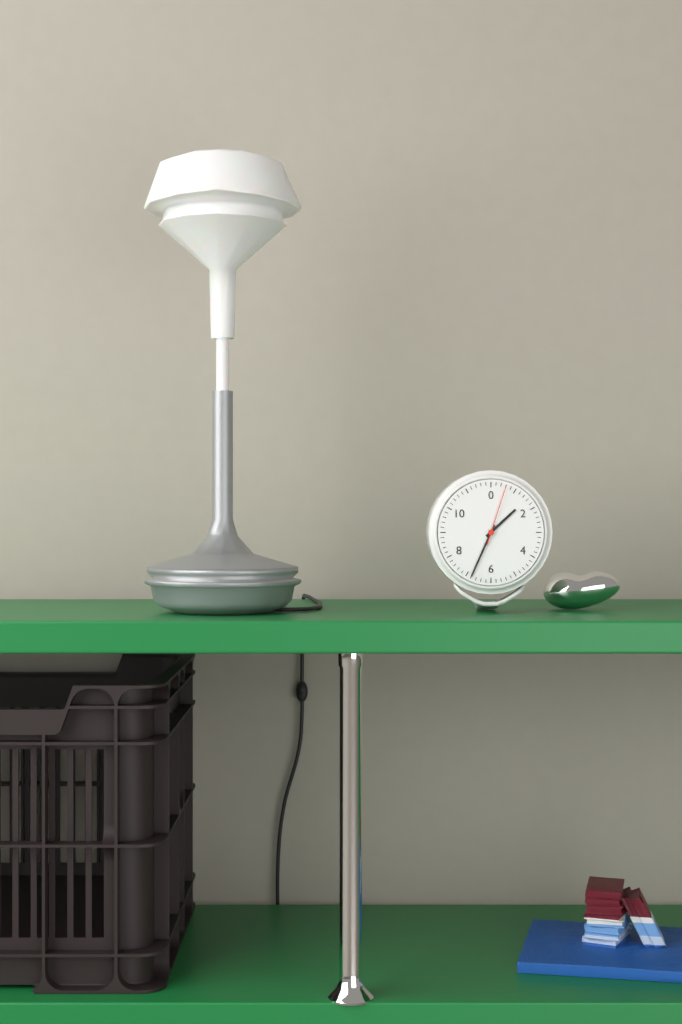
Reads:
{"hour": 1, "minute": 34, "second": 3}
